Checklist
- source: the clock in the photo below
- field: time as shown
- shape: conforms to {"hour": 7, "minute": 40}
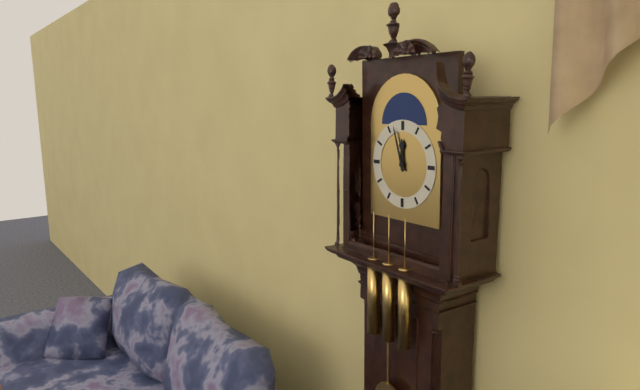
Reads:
{"hour": 11, "minute": 57}
